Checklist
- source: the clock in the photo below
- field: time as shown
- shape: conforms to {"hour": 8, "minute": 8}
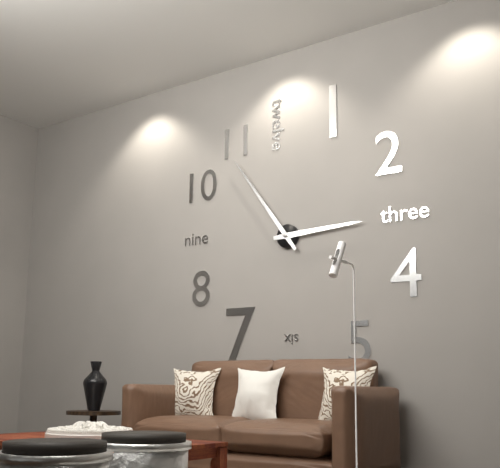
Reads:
{"hour": 2, "minute": 54}
